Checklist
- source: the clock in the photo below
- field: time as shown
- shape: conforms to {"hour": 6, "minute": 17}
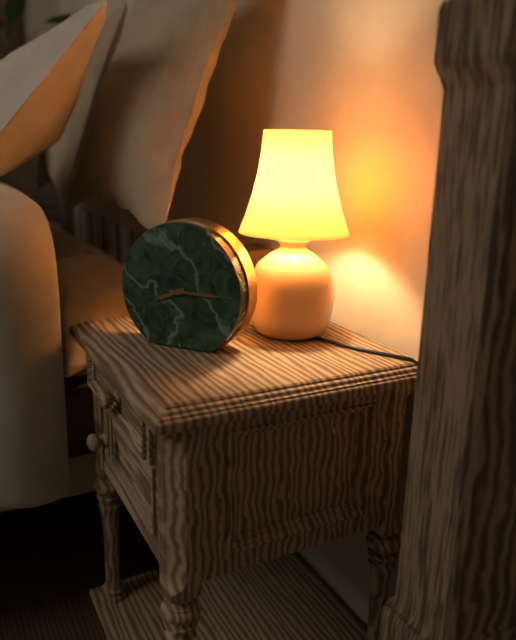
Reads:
{"hour": 8, "minute": 15}
